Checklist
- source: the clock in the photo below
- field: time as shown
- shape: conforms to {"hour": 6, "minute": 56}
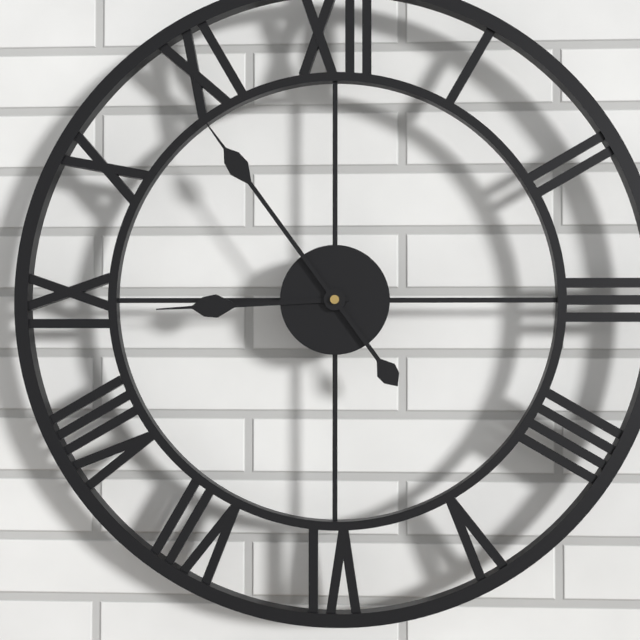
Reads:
{"hour": 8, "minute": 54}
